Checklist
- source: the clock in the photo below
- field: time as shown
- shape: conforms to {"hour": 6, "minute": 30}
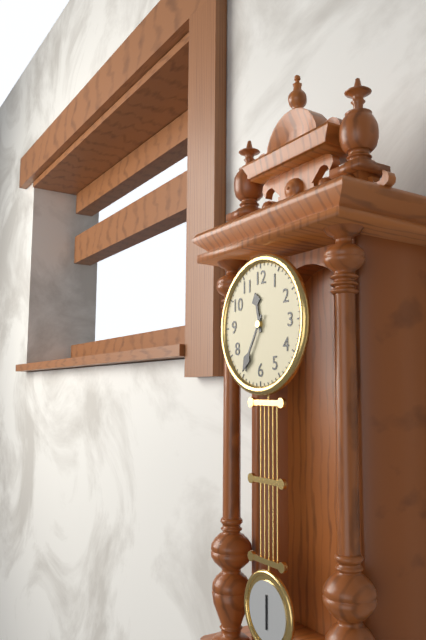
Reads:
{"hour": 11, "minute": 35}
